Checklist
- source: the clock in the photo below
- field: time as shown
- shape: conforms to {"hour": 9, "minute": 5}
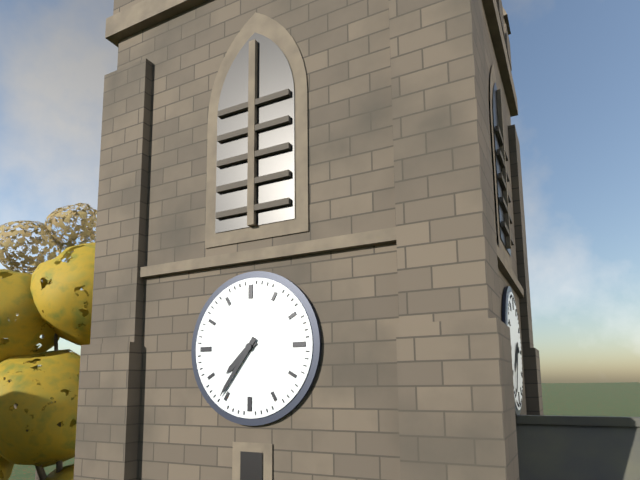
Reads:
{"hour": 7, "minute": 36}
